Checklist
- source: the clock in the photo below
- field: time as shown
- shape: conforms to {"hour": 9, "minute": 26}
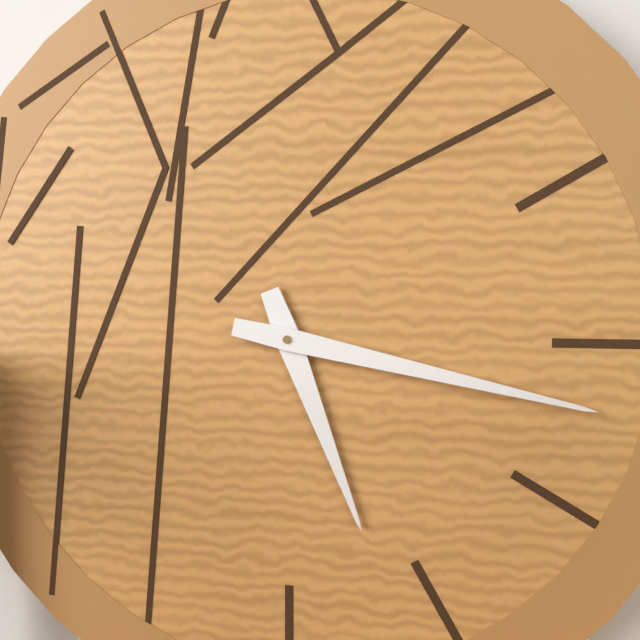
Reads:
{"hour": 5, "minute": 17}
